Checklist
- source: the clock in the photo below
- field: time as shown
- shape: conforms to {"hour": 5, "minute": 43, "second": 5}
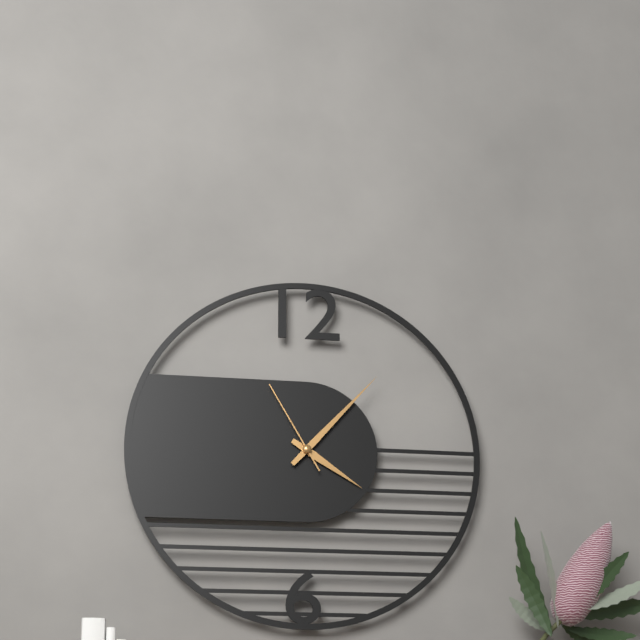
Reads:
{"hour": 4, "minute": 7, "second": 55}
